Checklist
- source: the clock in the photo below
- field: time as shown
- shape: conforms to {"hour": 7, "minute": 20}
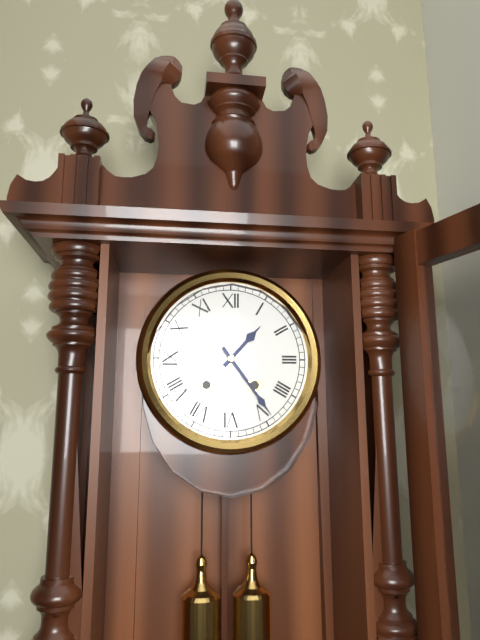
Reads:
{"hour": 1, "minute": 24}
